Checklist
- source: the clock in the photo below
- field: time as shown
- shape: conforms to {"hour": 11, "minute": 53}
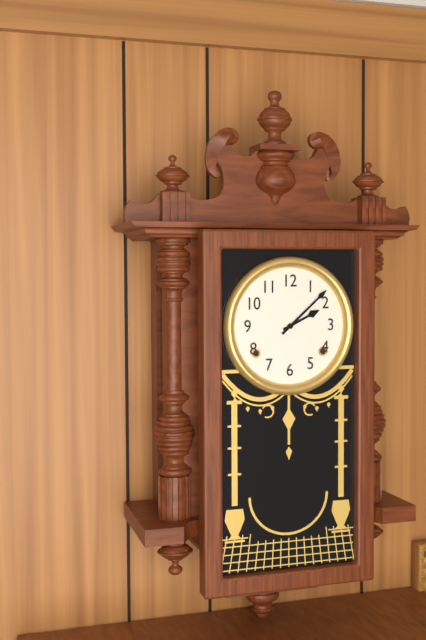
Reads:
{"hour": 2, "minute": 8}
